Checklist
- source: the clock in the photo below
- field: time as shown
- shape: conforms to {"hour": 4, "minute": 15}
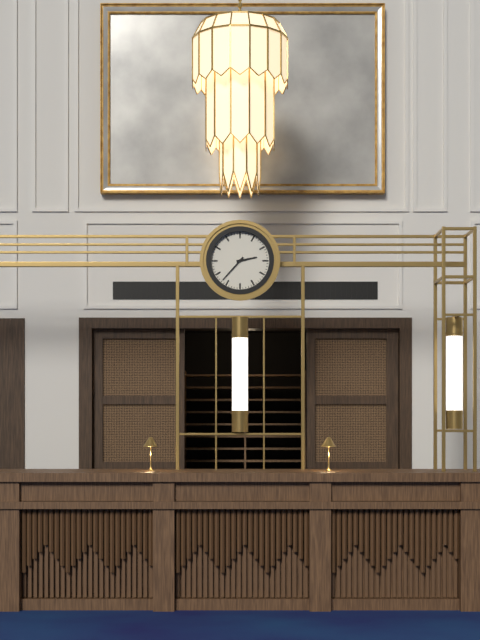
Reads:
{"hour": 2, "minute": 37}
